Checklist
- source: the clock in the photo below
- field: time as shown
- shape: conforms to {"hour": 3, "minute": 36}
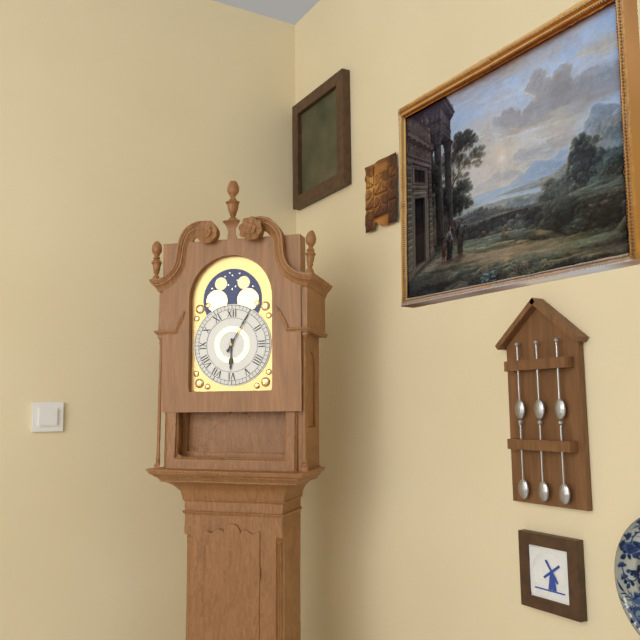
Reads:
{"hour": 6, "minute": 5}
